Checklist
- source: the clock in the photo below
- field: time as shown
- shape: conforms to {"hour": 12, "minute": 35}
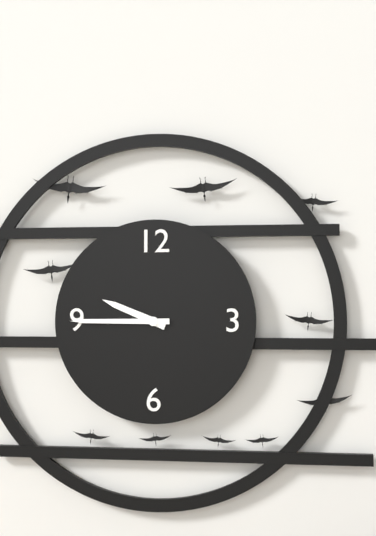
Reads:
{"hour": 9, "minute": 45}
